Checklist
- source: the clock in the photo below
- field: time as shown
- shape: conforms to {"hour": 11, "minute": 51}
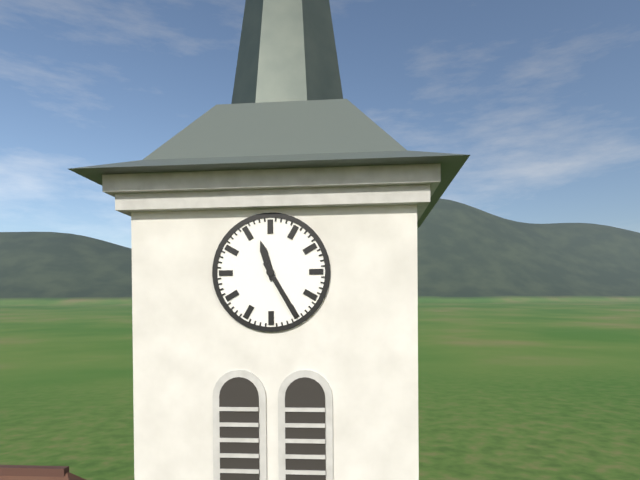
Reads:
{"hour": 11, "minute": 25}
